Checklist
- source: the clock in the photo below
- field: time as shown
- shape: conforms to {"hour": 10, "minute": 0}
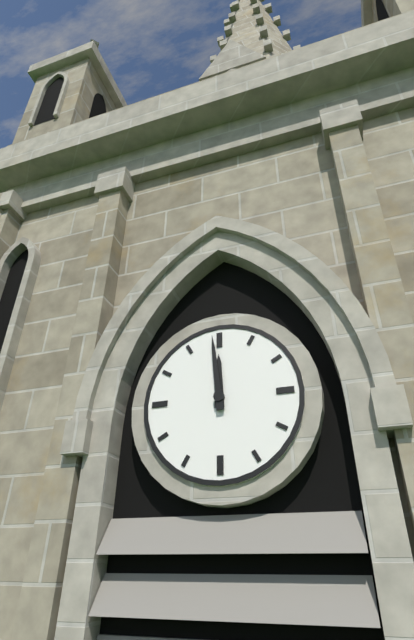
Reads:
{"hour": 11, "minute": 59}
